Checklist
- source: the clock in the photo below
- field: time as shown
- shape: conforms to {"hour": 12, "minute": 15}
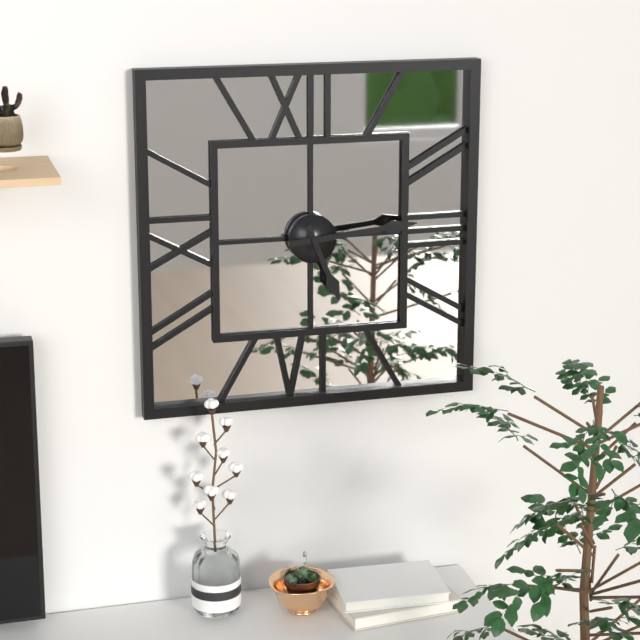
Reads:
{"hour": 5, "minute": 14}
